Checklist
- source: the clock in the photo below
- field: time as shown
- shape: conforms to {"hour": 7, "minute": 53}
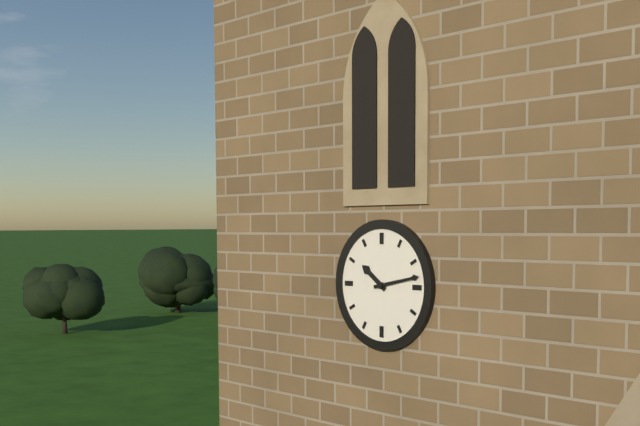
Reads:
{"hour": 10, "minute": 13}
